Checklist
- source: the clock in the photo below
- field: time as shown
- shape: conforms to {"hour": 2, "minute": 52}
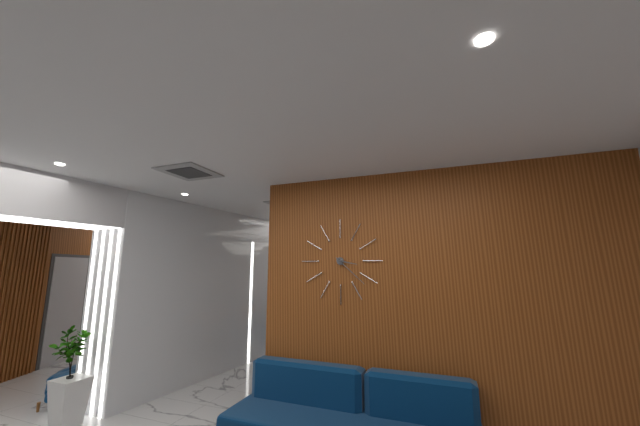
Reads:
{"hour": 3, "minute": 22}
